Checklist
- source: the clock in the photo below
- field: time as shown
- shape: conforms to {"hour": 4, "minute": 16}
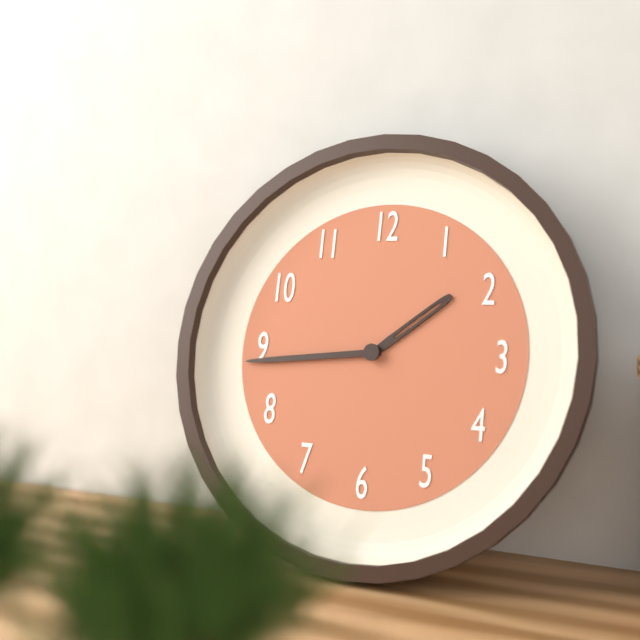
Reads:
{"hour": 1, "minute": 44}
